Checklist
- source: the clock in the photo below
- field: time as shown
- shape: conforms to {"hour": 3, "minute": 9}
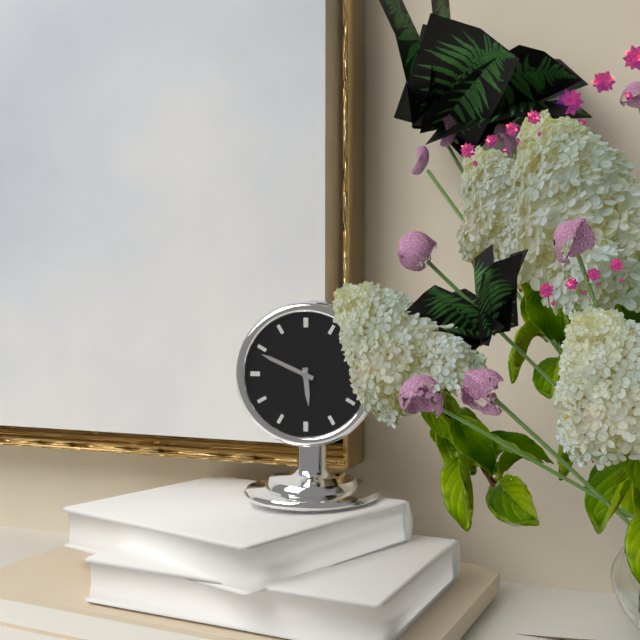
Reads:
{"hour": 5, "minute": 49}
